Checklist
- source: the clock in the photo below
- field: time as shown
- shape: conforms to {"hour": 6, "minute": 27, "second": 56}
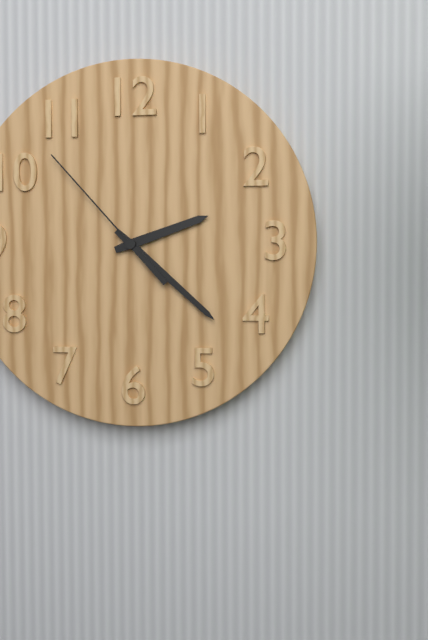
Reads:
{"hour": 2, "minute": 22, "second": 53}
